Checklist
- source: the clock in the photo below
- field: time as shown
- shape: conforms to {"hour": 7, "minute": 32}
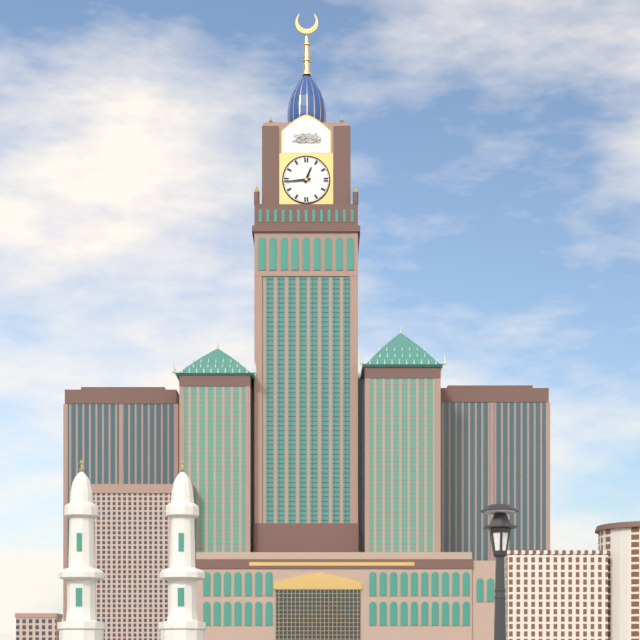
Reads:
{"hour": 12, "minute": 44}
